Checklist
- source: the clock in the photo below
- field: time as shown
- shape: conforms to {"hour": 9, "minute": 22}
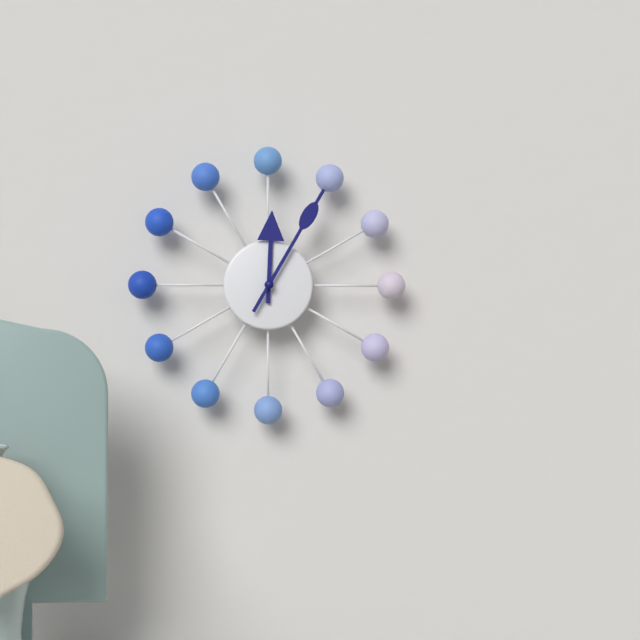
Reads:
{"hour": 12, "minute": 5}
